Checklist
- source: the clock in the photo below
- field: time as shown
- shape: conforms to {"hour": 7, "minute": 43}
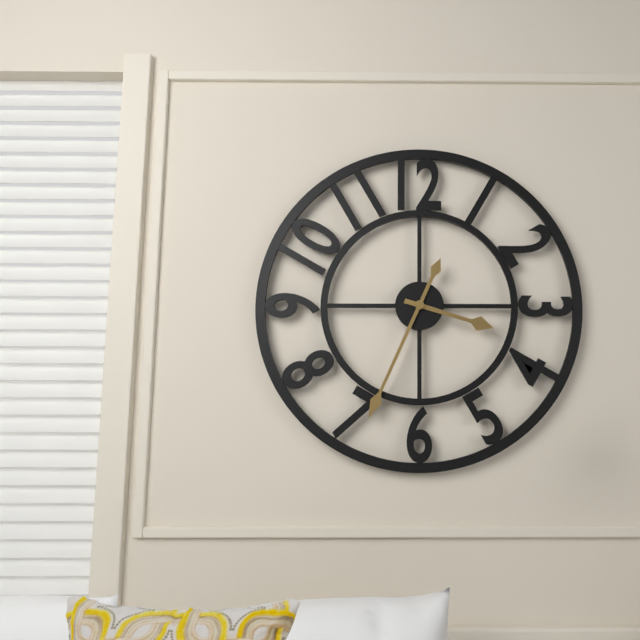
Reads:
{"hour": 3, "minute": 34}
